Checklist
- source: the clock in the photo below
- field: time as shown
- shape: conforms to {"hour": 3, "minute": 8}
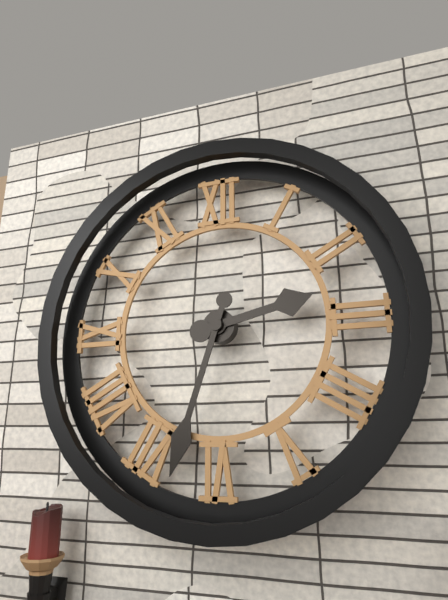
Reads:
{"hour": 2, "minute": 33}
